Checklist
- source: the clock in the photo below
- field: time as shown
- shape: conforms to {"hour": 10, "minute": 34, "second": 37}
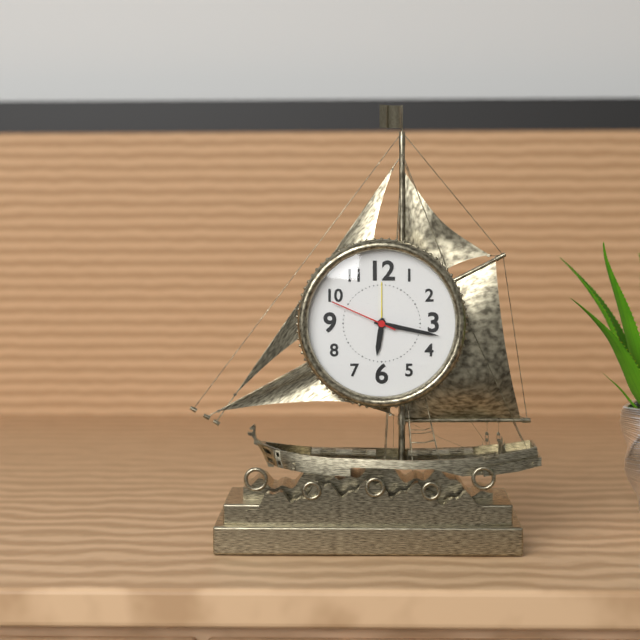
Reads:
{"hour": 6, "minute": 17, "second": 49}
